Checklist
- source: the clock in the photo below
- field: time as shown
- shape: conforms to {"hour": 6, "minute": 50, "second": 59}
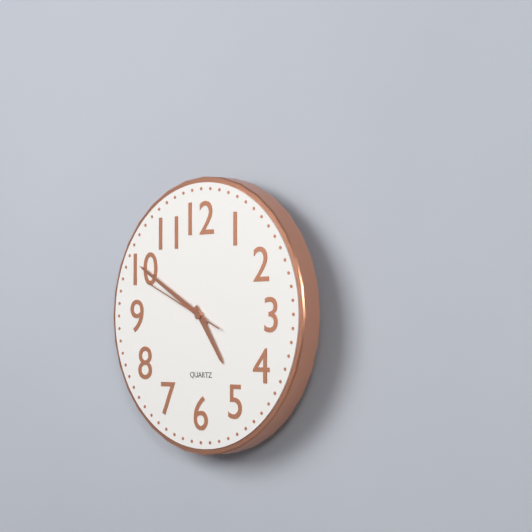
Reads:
{"hour": 4, "minute": 50, "second": 49}
